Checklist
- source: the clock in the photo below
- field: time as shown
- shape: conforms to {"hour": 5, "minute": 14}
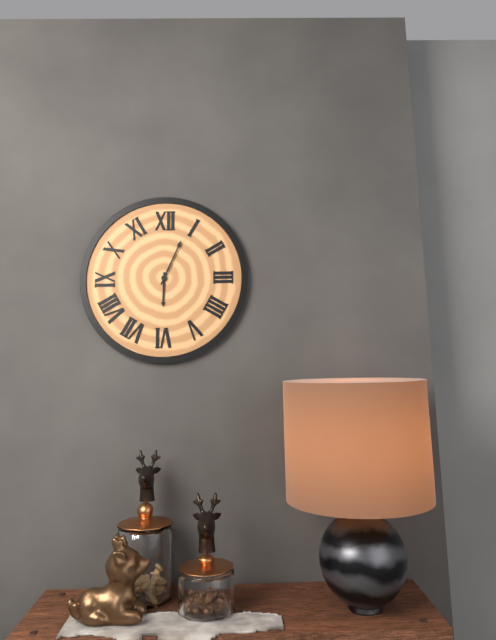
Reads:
{"hour": 6, "minute": 4}
